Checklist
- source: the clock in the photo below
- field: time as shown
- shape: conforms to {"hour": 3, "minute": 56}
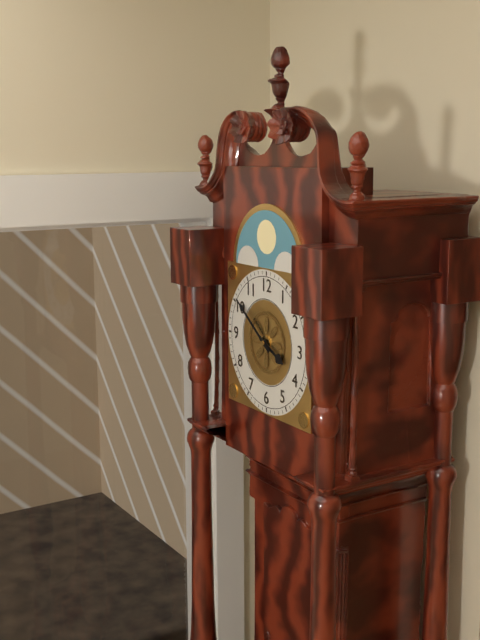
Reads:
{"hour": 3, "minute": 51}
